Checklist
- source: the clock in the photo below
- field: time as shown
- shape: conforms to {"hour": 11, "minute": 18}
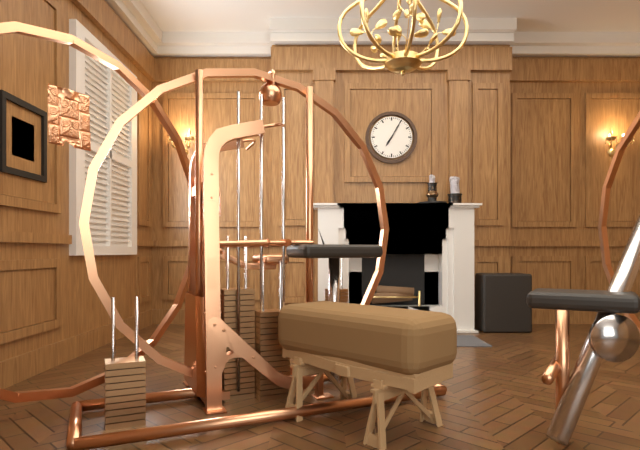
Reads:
{"hour": 7, "minute": 5}
